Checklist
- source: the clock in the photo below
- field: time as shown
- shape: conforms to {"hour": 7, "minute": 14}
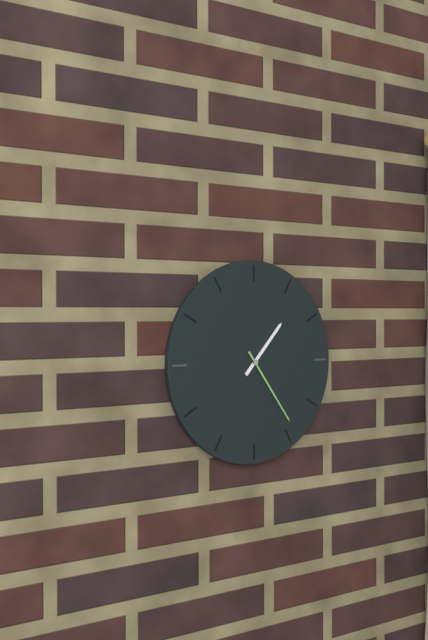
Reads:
{"hour": 1, "minute": 24}
